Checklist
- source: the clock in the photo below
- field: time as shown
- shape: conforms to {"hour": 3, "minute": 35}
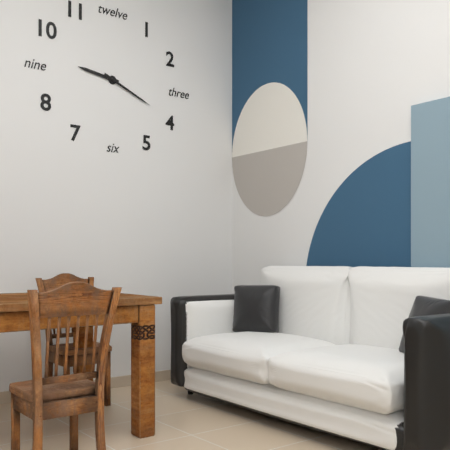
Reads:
{"hour": 9, "minute": 19}
